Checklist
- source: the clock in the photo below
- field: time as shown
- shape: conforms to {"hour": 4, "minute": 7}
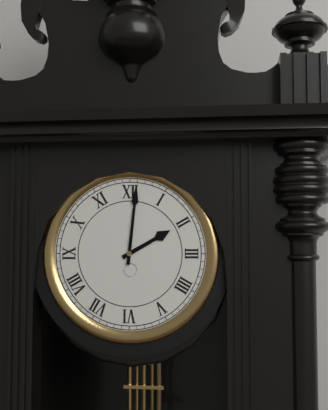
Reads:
{"hour": 2, "minute": 1}
